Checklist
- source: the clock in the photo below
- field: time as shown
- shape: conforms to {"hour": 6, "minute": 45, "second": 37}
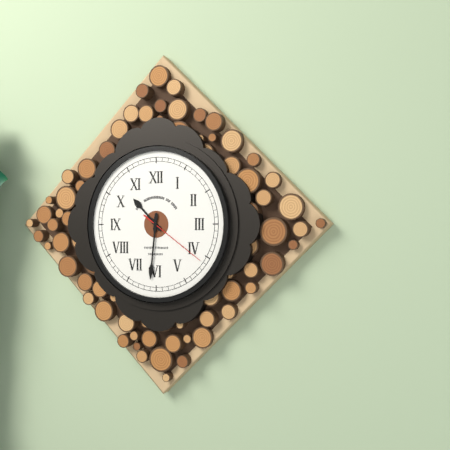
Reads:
{"hour": 10, "minute": 31, "second": 21}
